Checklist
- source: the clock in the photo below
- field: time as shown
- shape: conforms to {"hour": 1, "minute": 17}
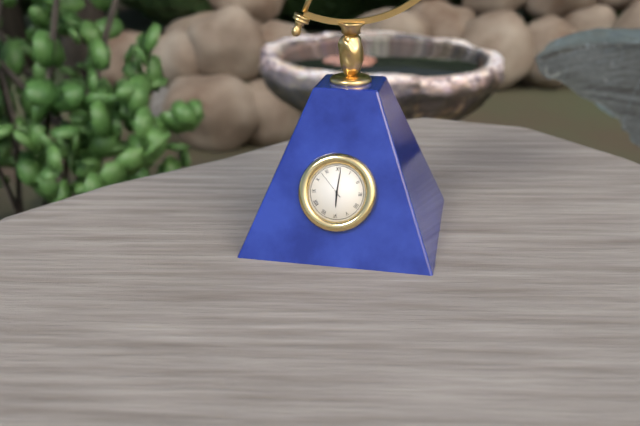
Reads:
{"hour": 6, "minute": 1}
